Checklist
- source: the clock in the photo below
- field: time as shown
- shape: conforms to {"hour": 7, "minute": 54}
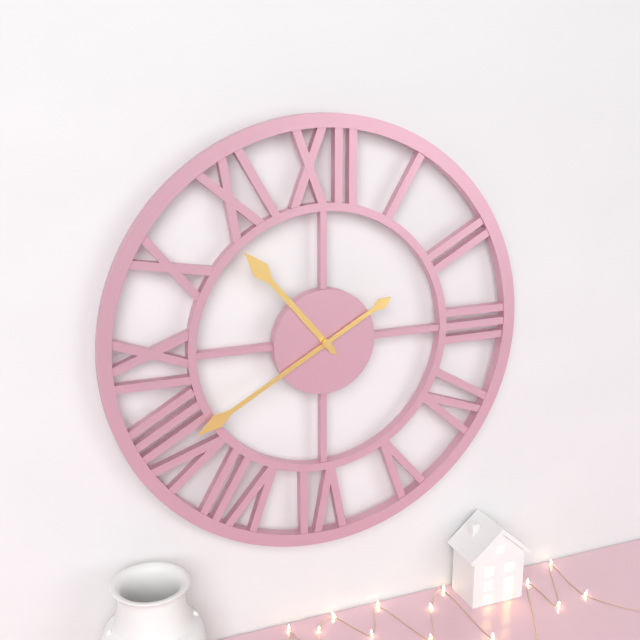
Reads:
{"hour": 10, "minute": 40}
